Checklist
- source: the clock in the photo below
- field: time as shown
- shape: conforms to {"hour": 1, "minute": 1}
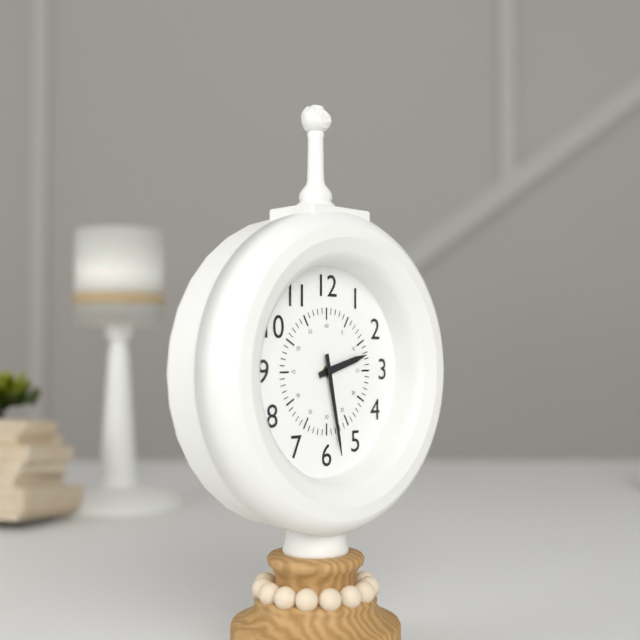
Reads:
{"hour": 2, "minute": 28}
